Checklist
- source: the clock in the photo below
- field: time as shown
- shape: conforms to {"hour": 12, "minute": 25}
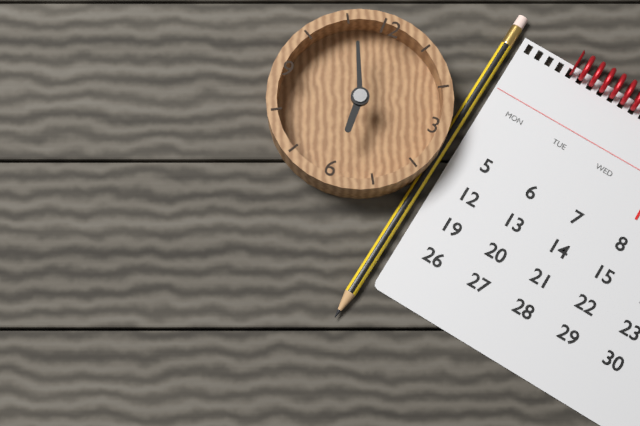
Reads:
{"hour": 5, "minute": 56}
